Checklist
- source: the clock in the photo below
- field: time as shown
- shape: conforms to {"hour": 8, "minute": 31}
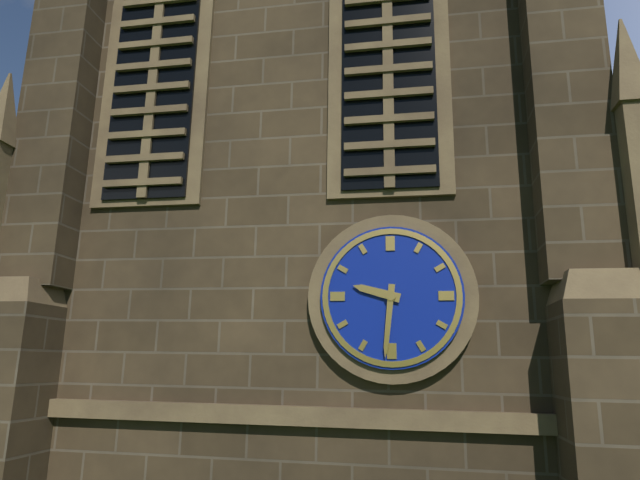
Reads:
{"hour": 9, "minute": 31}
